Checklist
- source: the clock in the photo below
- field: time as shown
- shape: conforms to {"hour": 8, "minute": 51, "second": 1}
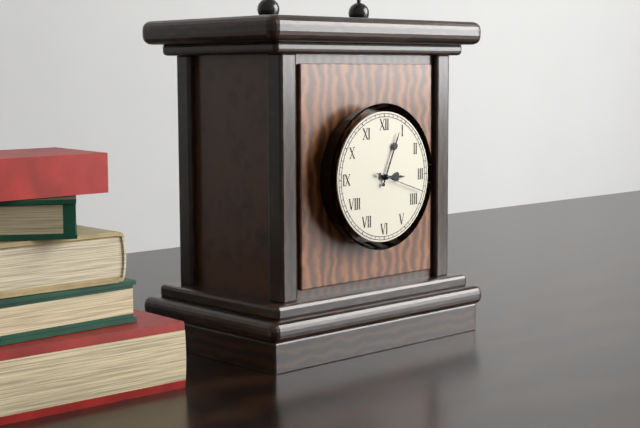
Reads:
{"hour": 3, "minute": 4, "second": 18}
